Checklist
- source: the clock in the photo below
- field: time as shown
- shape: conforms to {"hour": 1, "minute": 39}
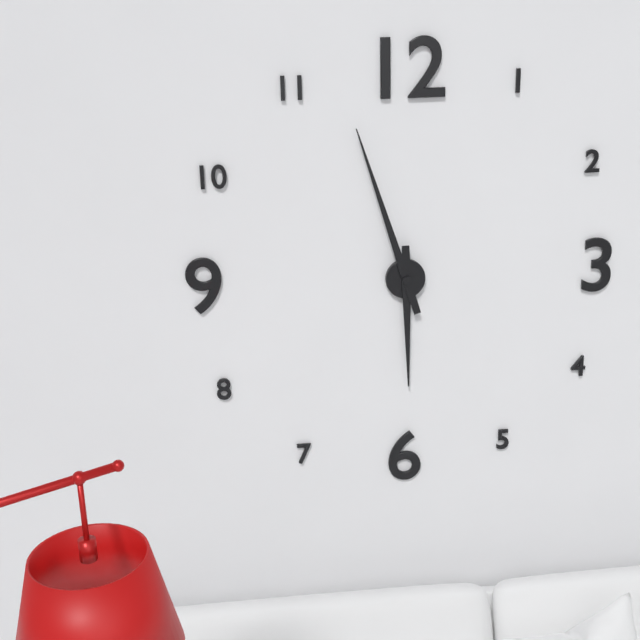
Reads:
{"hour": 5, "minute": 57}
